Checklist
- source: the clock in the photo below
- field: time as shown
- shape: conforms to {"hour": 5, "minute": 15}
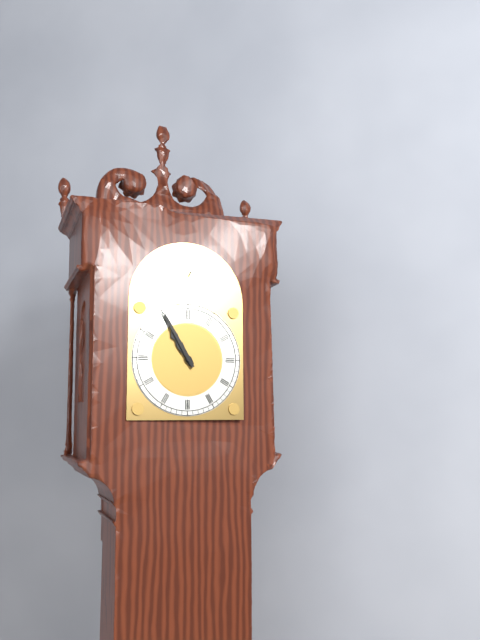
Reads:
{"hour": 10, "minute": 55}
